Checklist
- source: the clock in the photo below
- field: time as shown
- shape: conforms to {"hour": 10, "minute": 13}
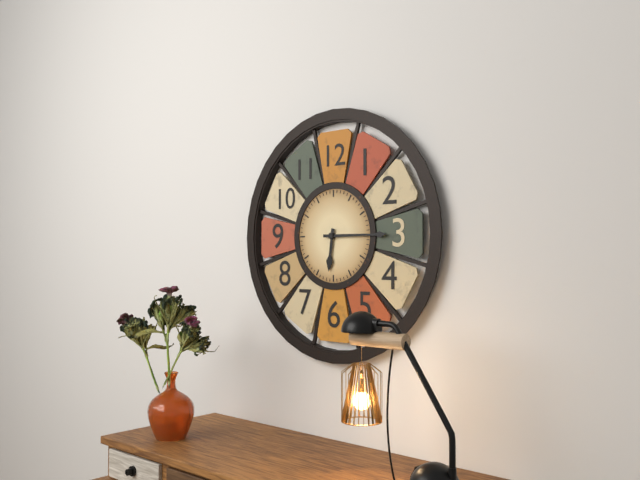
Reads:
{"hour": 6, "minute": 15}
